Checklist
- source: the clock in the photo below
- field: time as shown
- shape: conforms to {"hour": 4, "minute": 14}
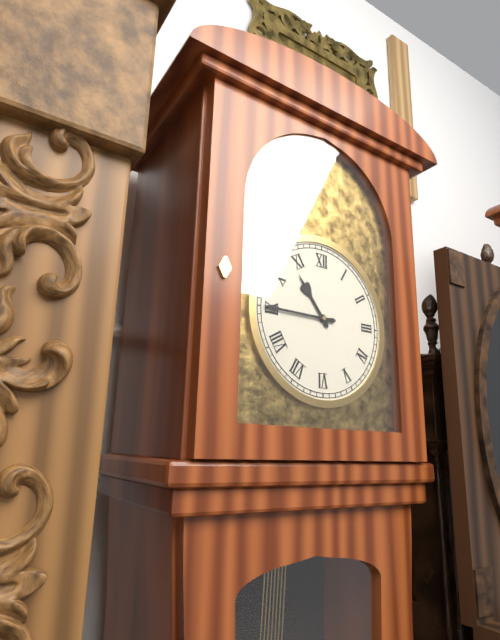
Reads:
{"hour": 10, "minute": 45}
